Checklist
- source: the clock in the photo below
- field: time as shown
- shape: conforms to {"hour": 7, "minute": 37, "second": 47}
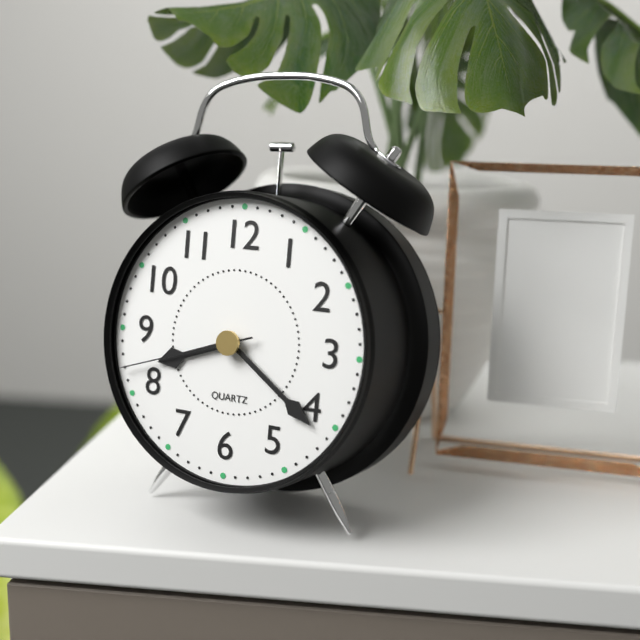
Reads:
{"hour": 8, "minute": 21, "second": 42}
